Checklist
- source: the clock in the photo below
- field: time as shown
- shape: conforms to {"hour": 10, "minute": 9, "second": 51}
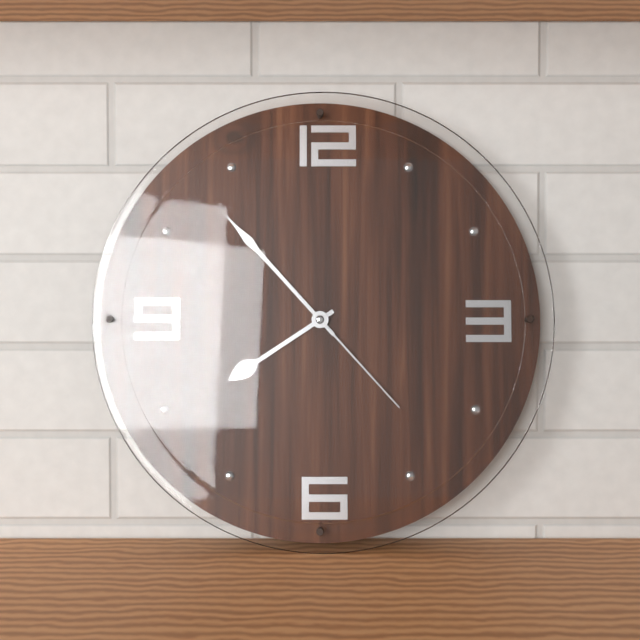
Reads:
{"hour": 7, "minute": 53, "second": 23}
